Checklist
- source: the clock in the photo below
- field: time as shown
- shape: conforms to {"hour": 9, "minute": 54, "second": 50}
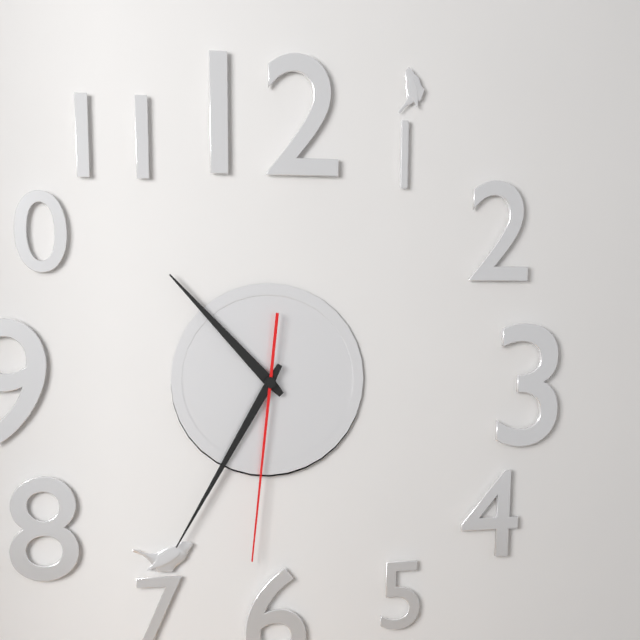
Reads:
{"hour": 10, "minute": 35, "second": 31}
